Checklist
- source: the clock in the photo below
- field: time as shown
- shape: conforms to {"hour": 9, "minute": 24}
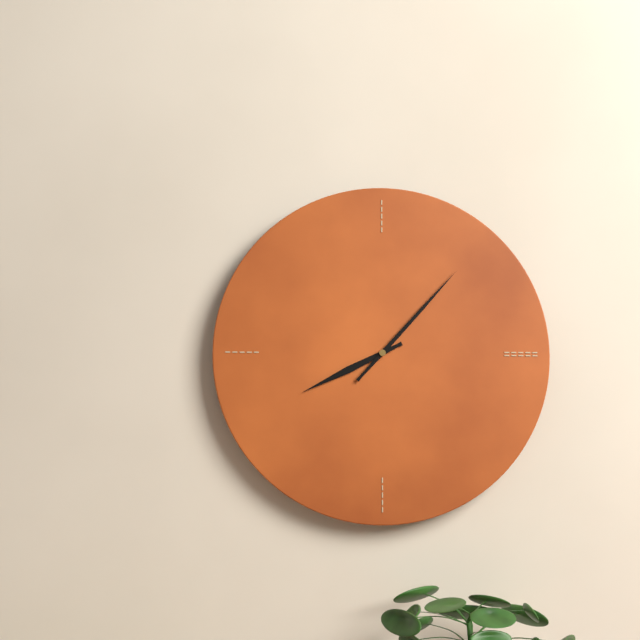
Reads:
{"hour": 8, "minute": 7}
